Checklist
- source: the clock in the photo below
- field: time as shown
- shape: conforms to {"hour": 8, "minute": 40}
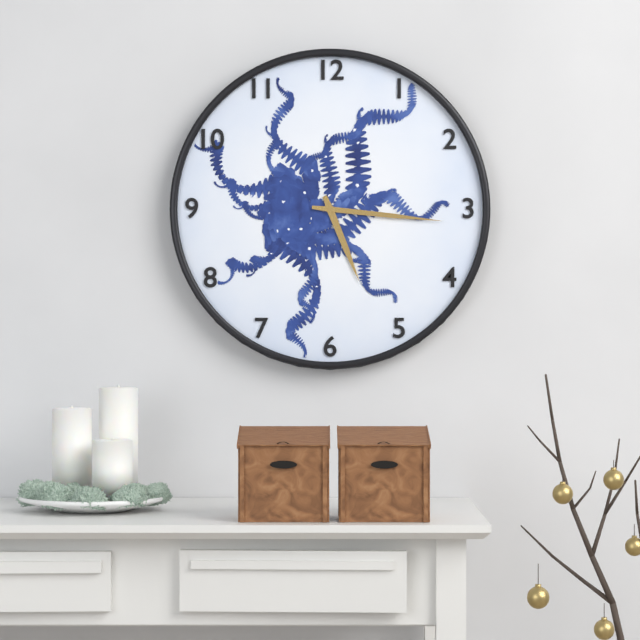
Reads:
{"hour": 5, "minute": 16}
